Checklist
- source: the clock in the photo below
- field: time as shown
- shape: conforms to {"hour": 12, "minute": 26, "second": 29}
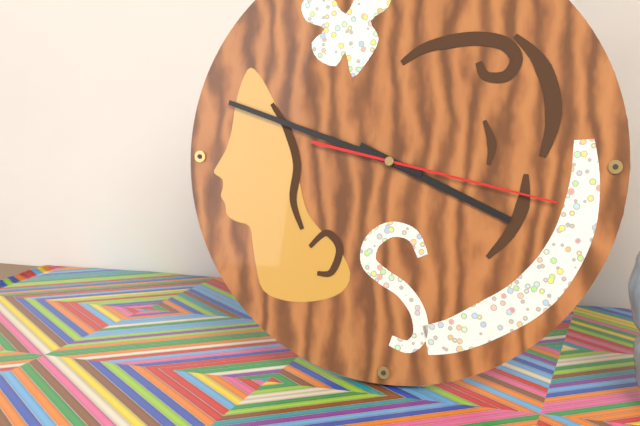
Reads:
{"hour": 3, "minute": 48, "second": 17}
